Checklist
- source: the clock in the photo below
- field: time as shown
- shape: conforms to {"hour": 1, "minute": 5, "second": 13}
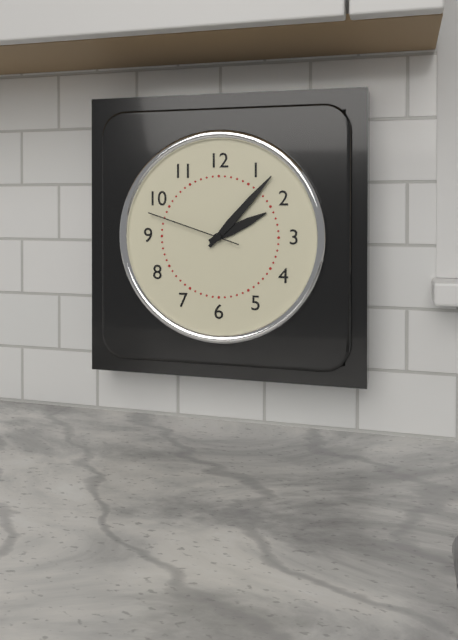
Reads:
{"hour": 2, "minute": 7, "second": 48}
